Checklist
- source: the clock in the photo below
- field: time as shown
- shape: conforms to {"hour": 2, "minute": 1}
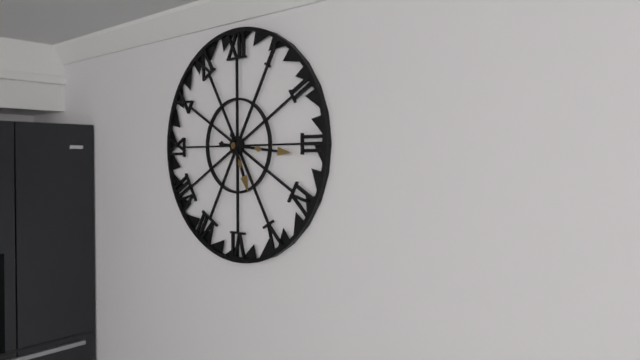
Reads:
{"hour": 5, "minute": 16}
